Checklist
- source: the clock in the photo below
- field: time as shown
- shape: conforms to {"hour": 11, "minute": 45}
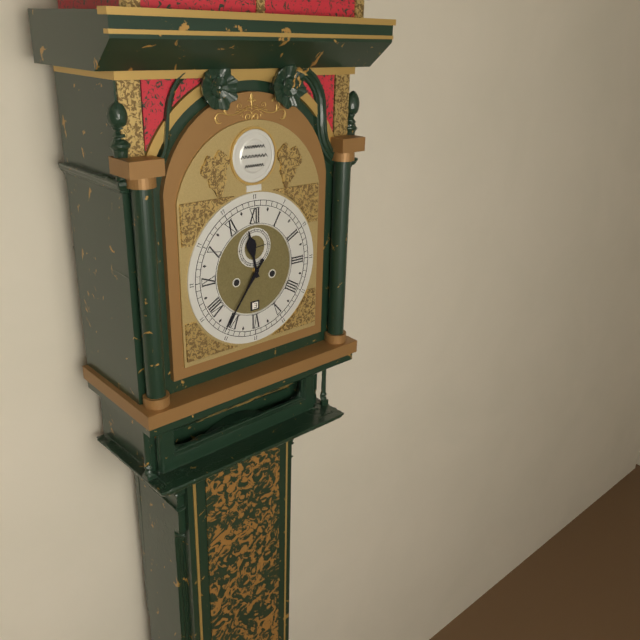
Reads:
{"hour": 11, "minute": 36}
